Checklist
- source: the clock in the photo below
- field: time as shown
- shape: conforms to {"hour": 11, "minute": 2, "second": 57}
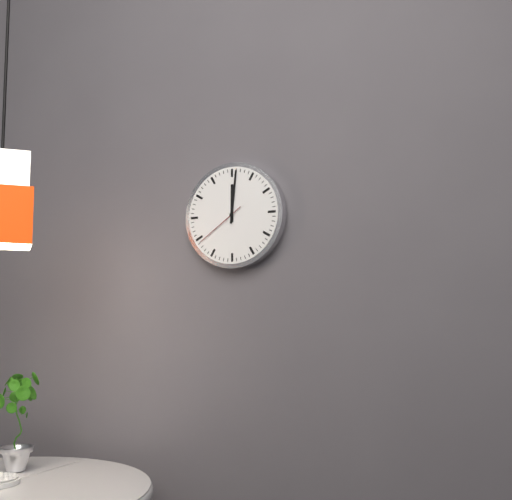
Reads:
{"hour": 12, "minute": 1, "second": 39}
